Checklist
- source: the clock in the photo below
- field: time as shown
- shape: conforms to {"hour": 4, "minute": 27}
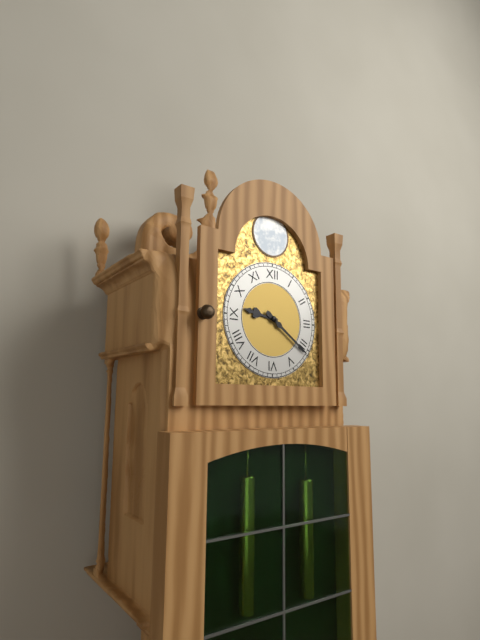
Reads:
{"hour": 9, "minute": 21}
